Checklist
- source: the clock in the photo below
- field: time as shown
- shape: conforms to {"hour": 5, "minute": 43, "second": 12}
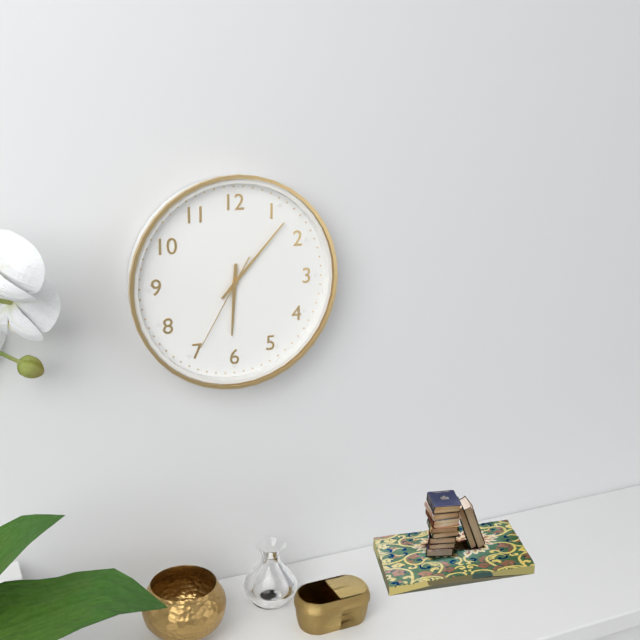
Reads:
{"hour": 6, "minute": 7, "second": 35}
